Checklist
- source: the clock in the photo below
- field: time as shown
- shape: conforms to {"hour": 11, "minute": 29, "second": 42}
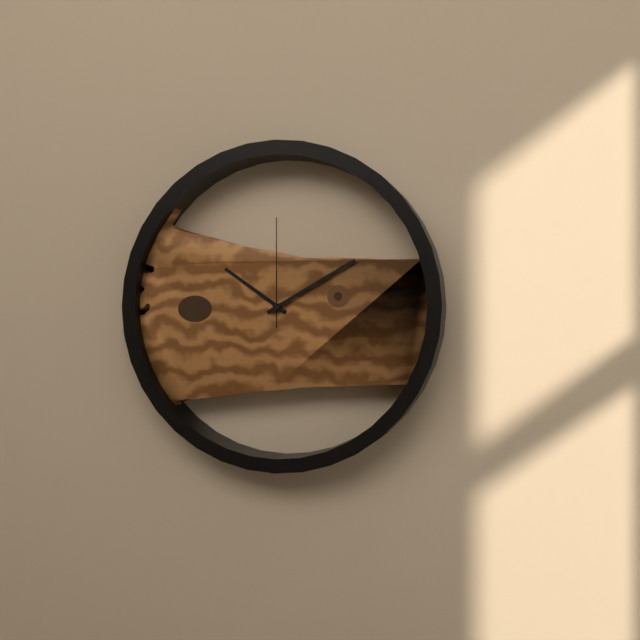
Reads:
{"hour": 10, "minute": 10, "second": 0}
